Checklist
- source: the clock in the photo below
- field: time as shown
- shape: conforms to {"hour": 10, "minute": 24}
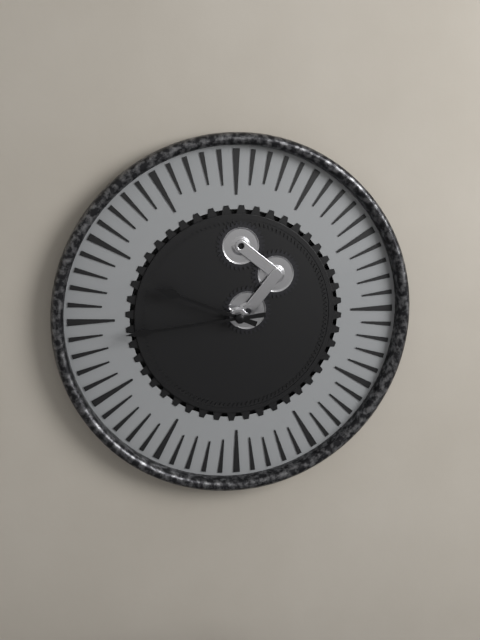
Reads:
{"hour": 9, "minute": 44}
